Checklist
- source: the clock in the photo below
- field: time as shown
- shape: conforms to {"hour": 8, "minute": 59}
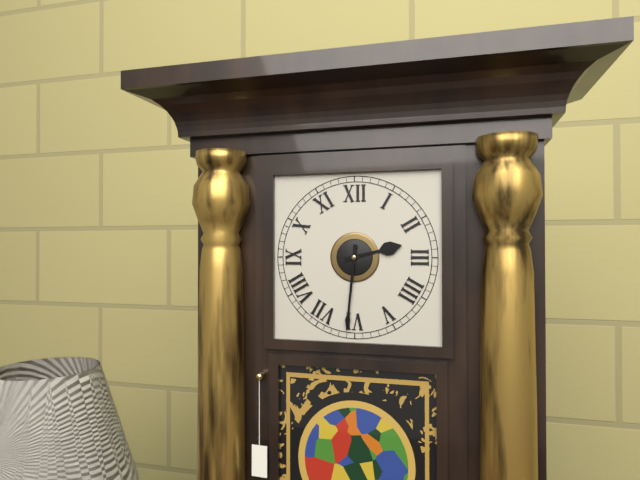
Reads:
{"hour": 2, "minute": 31}
